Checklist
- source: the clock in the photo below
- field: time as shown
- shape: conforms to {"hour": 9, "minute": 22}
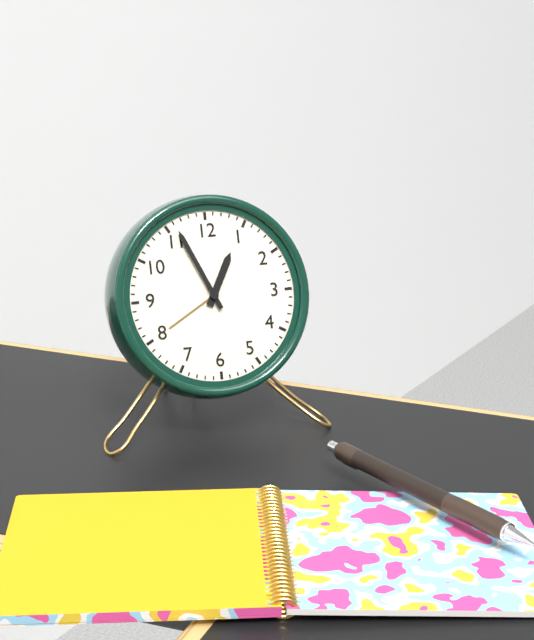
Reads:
{"hour": 12, "minute": 56}
